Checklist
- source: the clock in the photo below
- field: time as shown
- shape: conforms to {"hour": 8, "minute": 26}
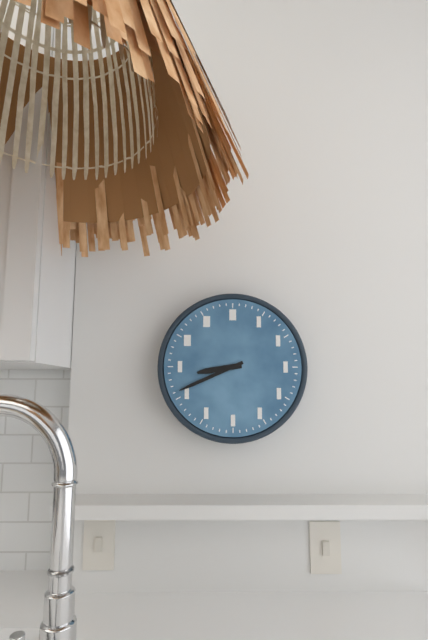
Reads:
{"hour": 8, "minute": 41}
